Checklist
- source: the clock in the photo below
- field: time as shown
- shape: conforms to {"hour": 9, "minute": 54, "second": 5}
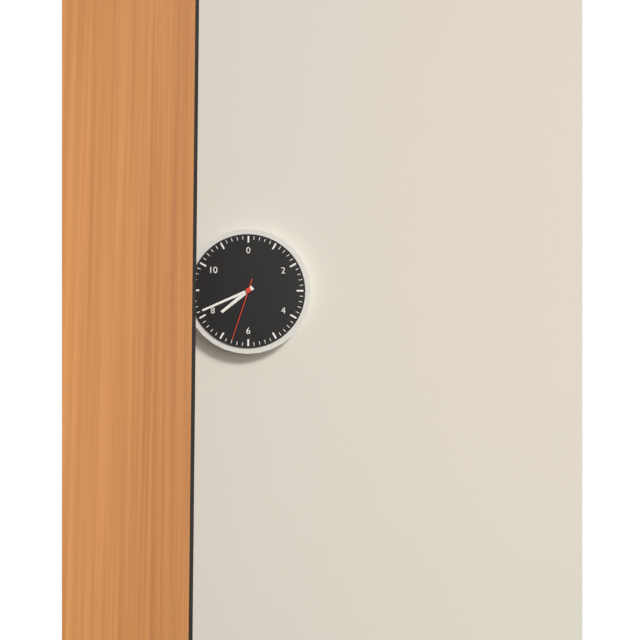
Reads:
{"hour": 7, "minute": 41, "second": 33}
